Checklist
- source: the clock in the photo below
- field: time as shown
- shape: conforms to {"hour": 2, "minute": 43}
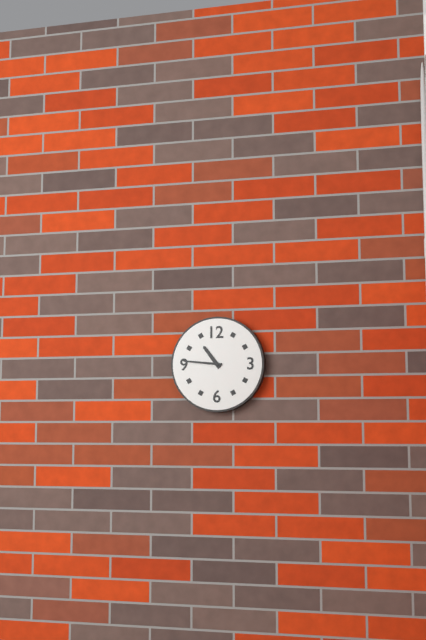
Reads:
{"hour": 10, "minute": 46}
